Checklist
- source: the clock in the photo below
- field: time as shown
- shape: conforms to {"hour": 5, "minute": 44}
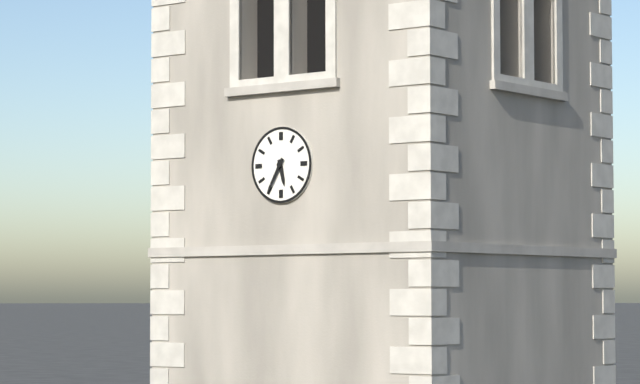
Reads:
{"hour": 5, "minute": 35}
